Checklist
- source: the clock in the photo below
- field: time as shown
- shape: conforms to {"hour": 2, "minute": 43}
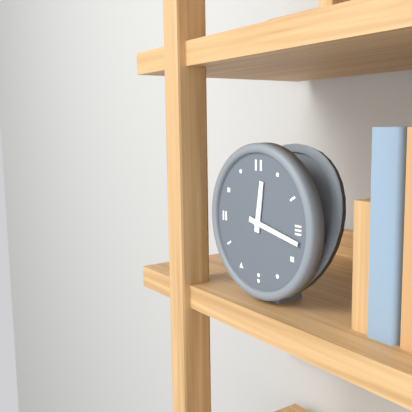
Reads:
{"hour": 12, "minute": 17}
